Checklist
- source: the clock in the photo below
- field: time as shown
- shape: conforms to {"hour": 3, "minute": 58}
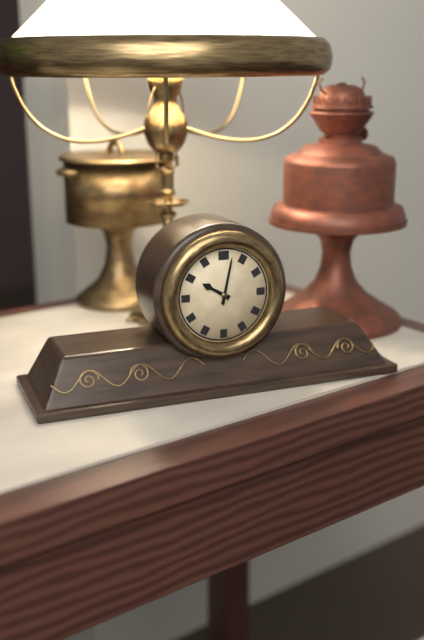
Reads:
{"hour": 10, "minute": 2}
